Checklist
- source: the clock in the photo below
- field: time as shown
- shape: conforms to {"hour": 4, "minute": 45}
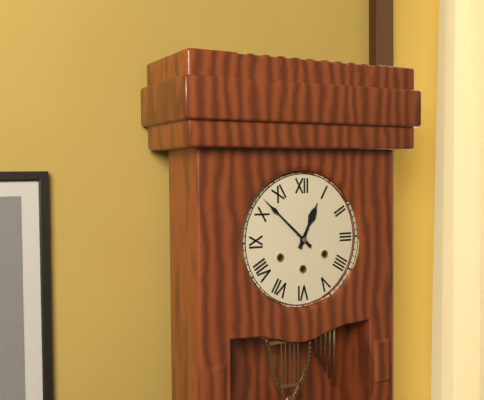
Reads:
{"hour": 12, "minute": 52}
